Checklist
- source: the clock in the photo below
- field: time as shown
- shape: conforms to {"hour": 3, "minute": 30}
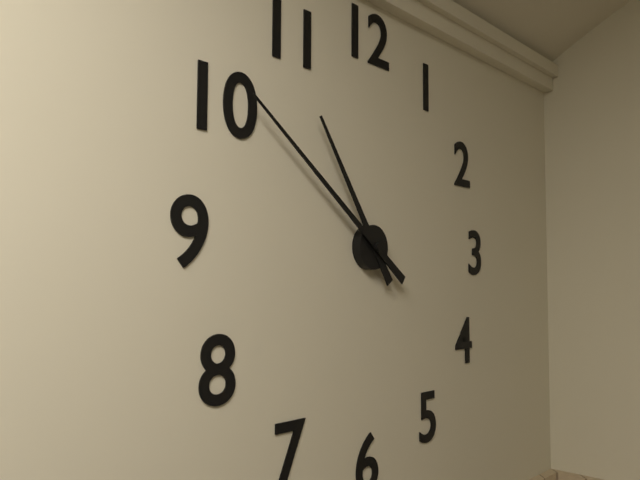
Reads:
{"hour": 10, "minute": 51}
